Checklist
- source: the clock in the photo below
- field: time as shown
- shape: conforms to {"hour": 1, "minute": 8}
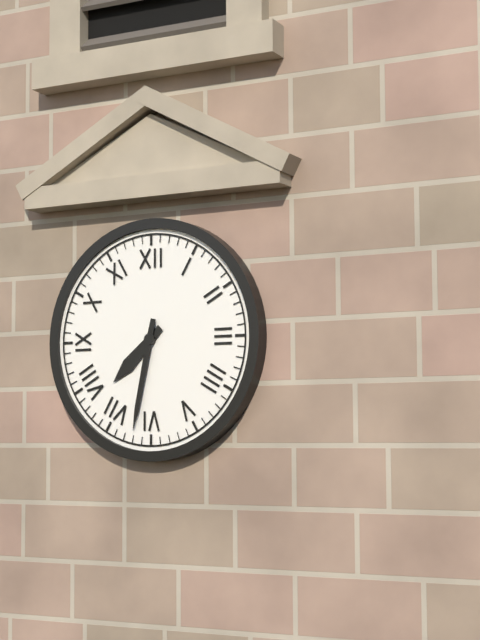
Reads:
{"hour": 7, "minute": 32}
